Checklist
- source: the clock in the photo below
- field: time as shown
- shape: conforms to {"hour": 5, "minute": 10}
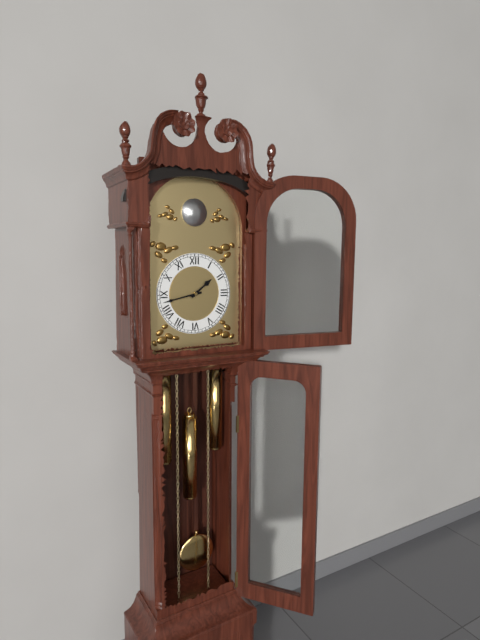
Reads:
{"hour": 1, "minute": 43}
